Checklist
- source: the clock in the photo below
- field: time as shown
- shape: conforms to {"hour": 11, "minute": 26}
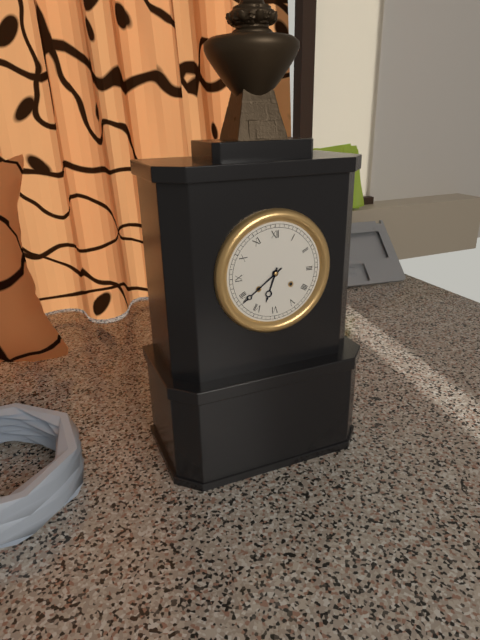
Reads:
{"hour": 6, "minute": 39}
